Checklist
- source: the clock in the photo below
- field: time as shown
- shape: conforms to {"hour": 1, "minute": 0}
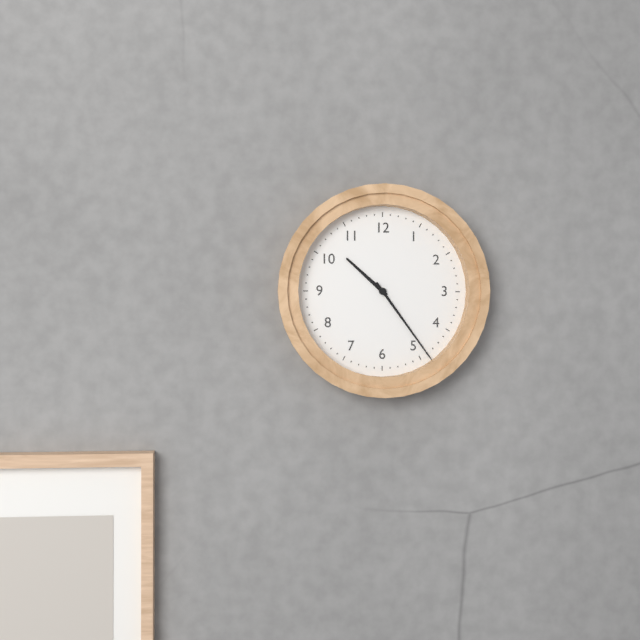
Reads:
{"hour": 10, "minute": 24}
